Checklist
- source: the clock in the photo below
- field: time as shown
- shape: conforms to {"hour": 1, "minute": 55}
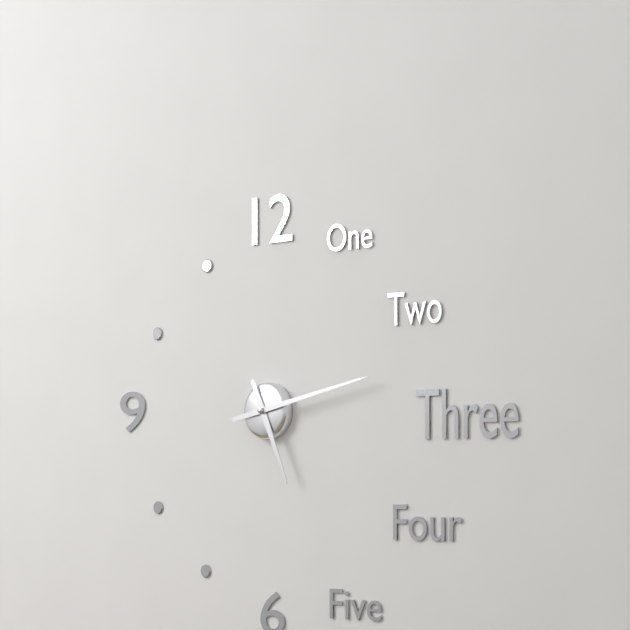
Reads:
{"hour": 5, "minute": 13}
